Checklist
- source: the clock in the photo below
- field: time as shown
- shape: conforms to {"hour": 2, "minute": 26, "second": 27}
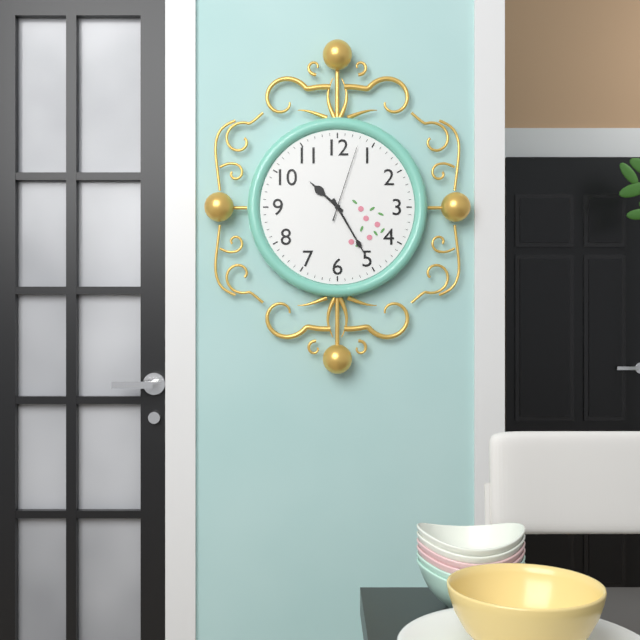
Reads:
{"hour": 10, "minute": 25, "second": 3}
